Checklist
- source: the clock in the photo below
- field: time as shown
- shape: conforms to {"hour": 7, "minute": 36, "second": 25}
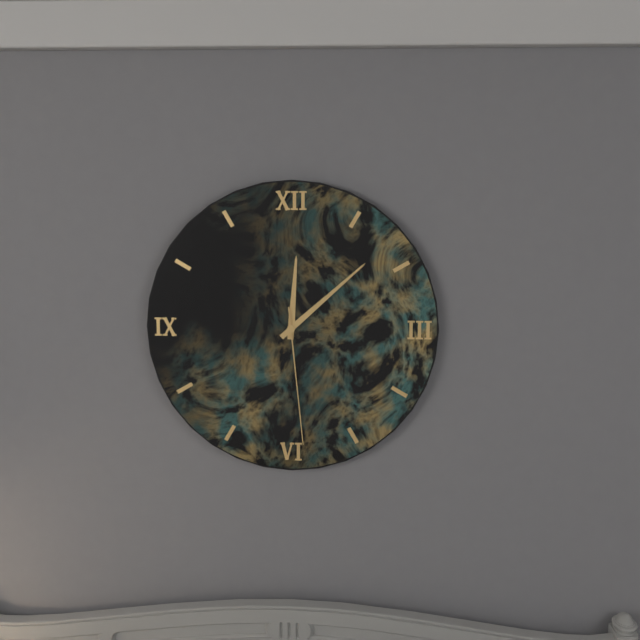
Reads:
{"hour": 12, "minute": 8, "second": 29}
